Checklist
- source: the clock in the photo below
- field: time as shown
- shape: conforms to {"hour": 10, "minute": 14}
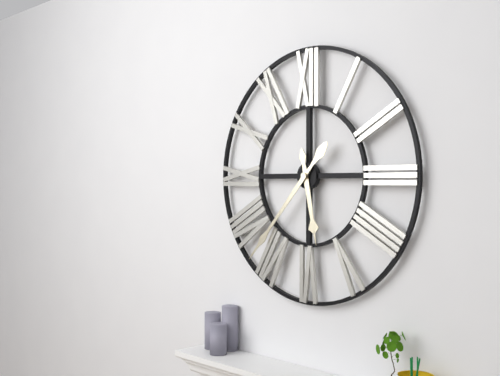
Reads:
{"hour": 5, "minute": 37}
